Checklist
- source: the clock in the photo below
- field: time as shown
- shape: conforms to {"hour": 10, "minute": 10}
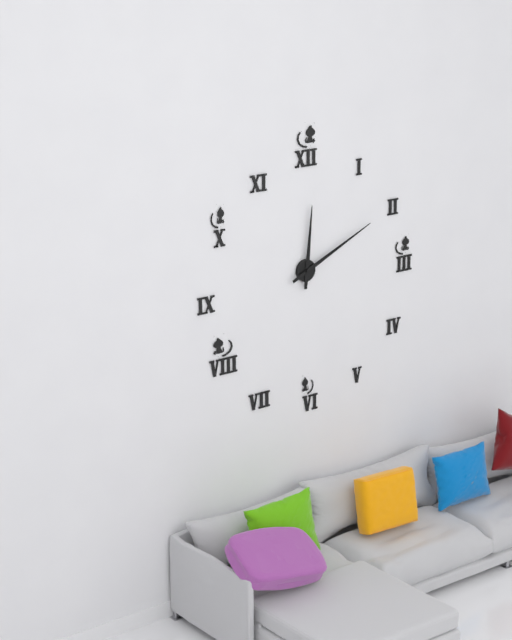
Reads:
{"hour": 12, "minute": 11}
